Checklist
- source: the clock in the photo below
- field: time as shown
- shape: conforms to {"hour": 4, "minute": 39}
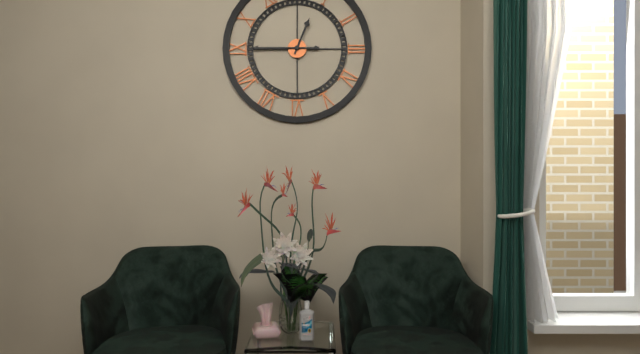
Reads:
{"hour": 12, "minute": 45}
